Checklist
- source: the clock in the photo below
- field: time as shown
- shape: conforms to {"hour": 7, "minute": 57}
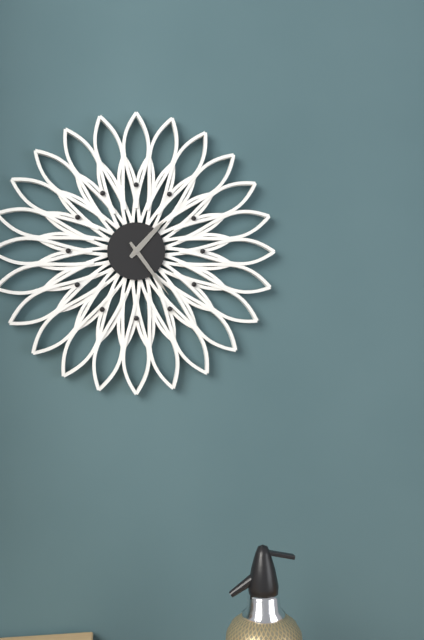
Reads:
{"hour": 1, "minute": 24}
